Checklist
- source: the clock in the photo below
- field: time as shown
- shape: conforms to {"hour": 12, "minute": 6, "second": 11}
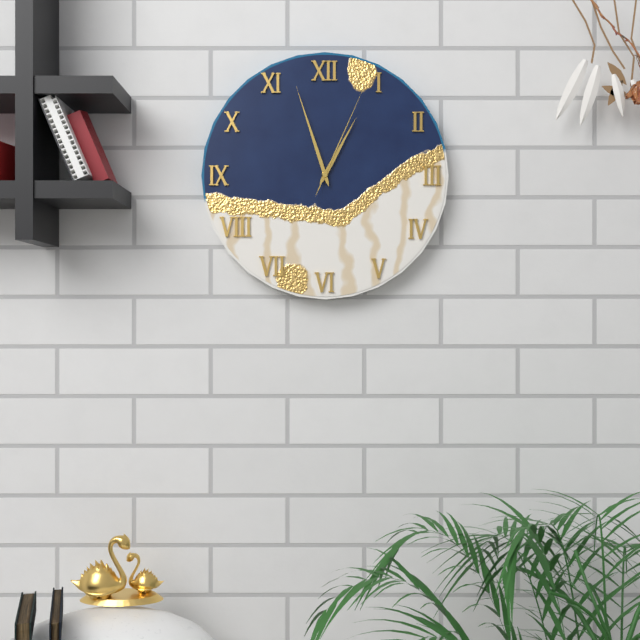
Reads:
{"hour": 12, "minute": 57, "second": 4}
